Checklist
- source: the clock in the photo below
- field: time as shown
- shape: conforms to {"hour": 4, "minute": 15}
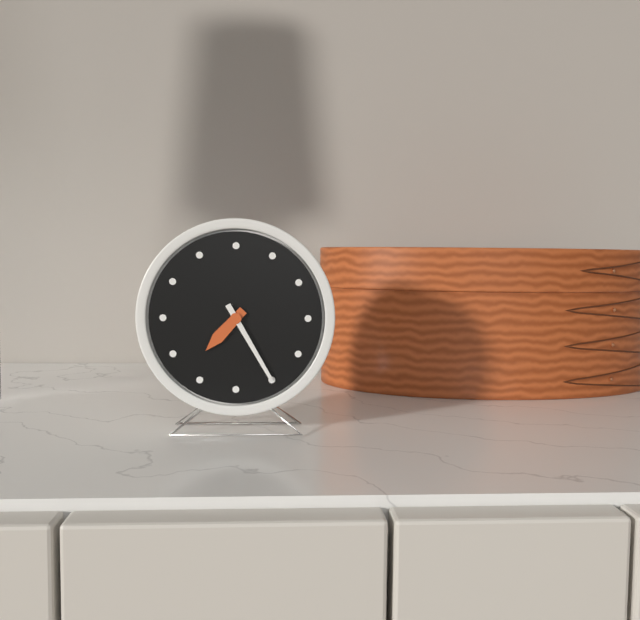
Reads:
{"hour": 7, "minute": 25}
